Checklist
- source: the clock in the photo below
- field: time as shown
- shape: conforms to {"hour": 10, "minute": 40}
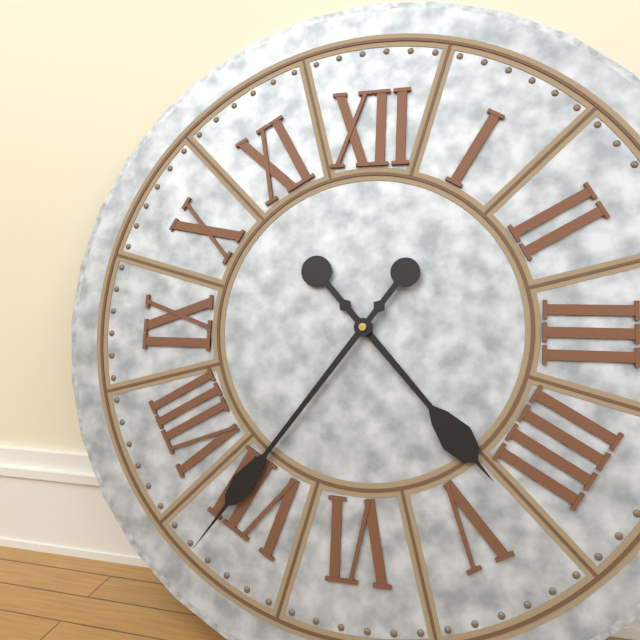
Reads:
{"hour": 4, "minute": 36}
